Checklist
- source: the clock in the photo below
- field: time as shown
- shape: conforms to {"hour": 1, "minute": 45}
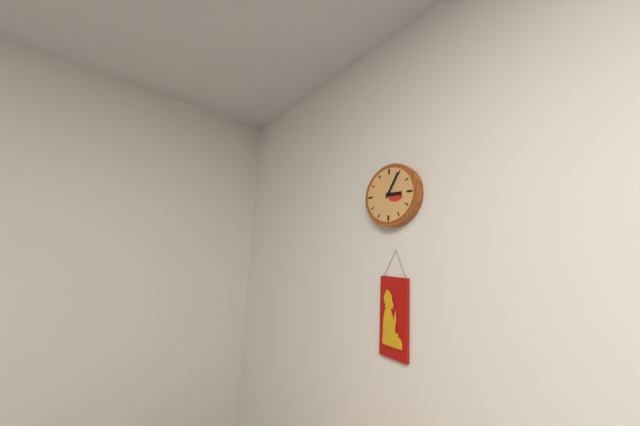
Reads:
{"hour": 3, "minute": 5}
